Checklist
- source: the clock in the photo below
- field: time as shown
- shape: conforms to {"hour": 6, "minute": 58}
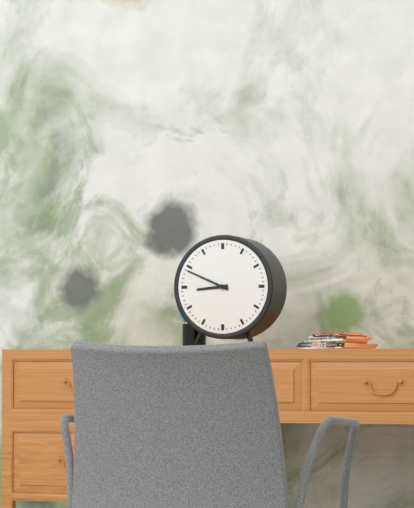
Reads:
{"hour": 8, "minute": 49}
